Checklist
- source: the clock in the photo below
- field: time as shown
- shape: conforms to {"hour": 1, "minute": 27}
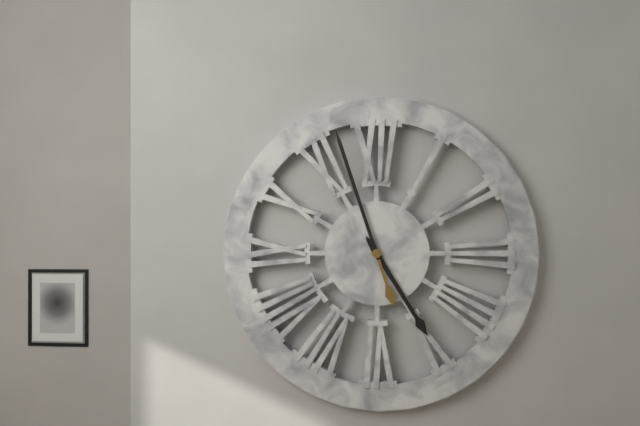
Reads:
{"hour": 4, "minute": 57}
